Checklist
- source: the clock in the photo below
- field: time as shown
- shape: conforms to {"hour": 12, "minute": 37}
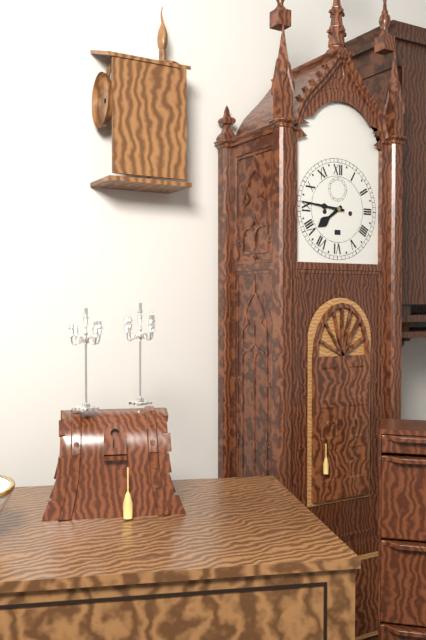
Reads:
{"hour": 7, "minute": 46}
